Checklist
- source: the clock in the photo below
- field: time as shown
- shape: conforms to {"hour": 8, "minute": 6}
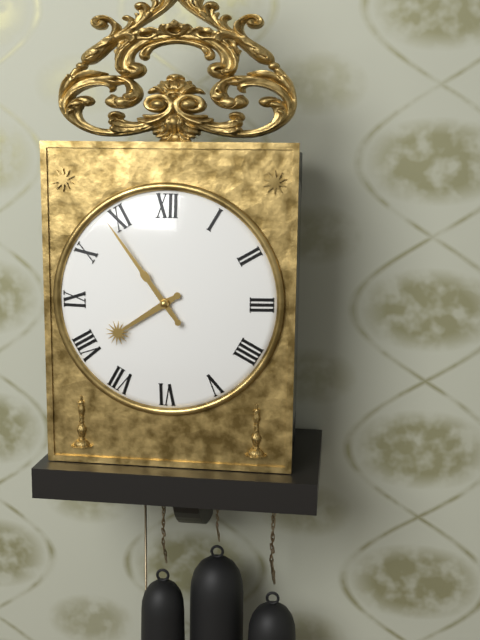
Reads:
{"hour": 7, "minute": 54}
